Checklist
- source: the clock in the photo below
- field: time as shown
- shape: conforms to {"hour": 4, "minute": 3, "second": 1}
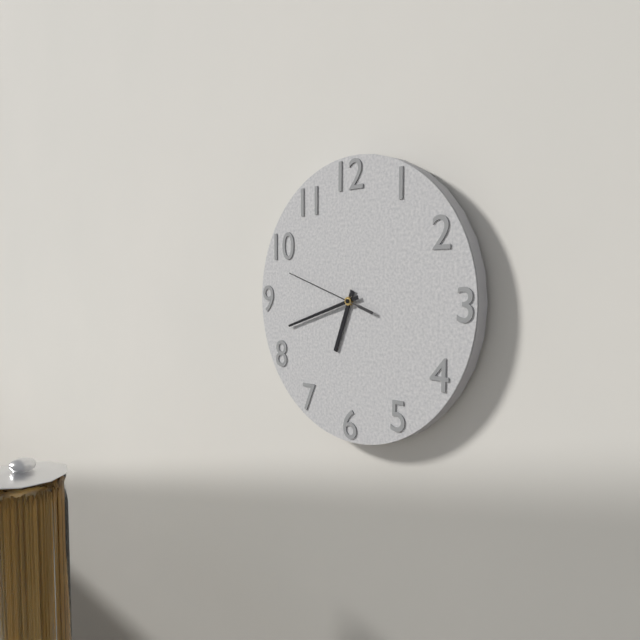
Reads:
{"hour": 6, "minute": 42, "second": 48}
